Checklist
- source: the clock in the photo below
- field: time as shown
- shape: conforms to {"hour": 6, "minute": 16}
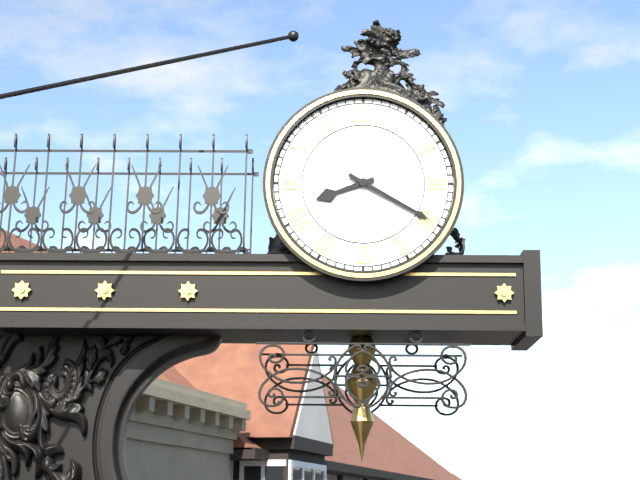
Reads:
{"hour": 8, "minute": 20}
